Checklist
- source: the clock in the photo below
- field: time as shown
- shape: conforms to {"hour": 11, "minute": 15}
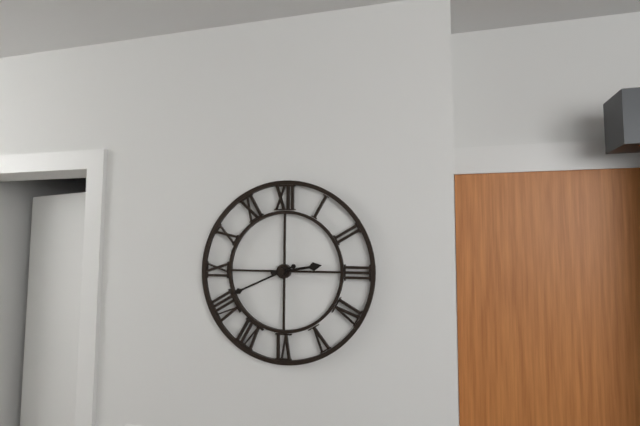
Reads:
{"hour": 2, "minute": 41}
